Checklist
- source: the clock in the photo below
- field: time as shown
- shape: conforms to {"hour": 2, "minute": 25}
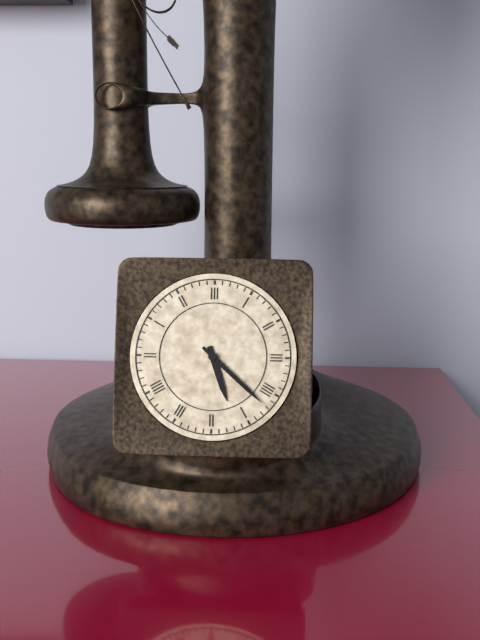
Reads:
{"hour": 5, "minute": 22}
